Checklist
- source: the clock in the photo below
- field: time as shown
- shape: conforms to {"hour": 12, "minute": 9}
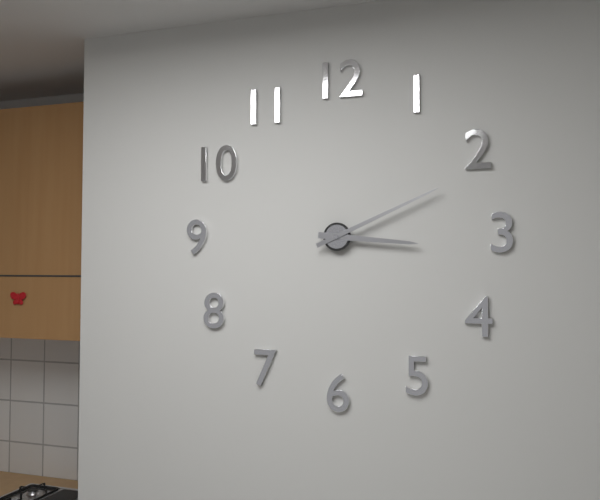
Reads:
{"hour": 3, "minute": 11}
